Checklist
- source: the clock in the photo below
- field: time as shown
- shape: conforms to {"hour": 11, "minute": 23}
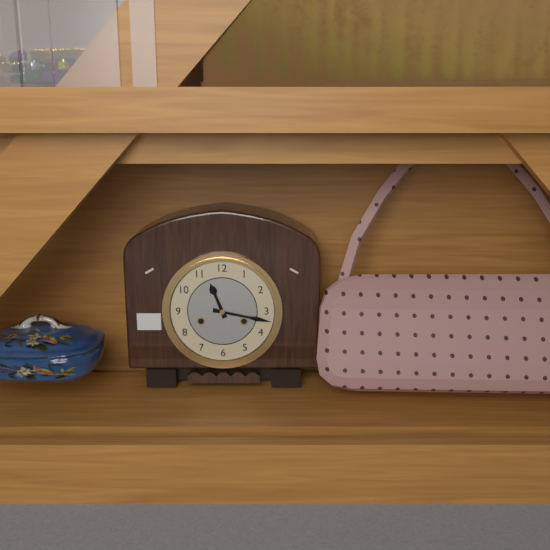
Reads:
{"hour": 11, "minute": 17}
